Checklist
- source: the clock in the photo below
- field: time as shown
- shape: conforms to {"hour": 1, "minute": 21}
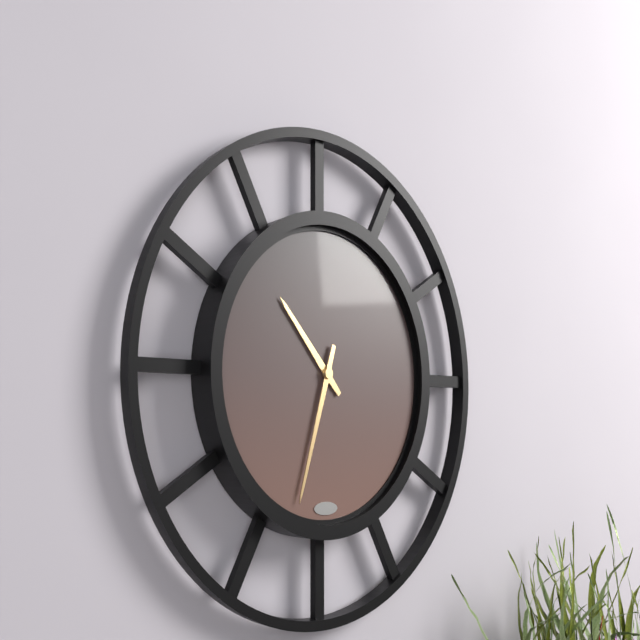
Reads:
{"hour": 10, "minute": 33}
